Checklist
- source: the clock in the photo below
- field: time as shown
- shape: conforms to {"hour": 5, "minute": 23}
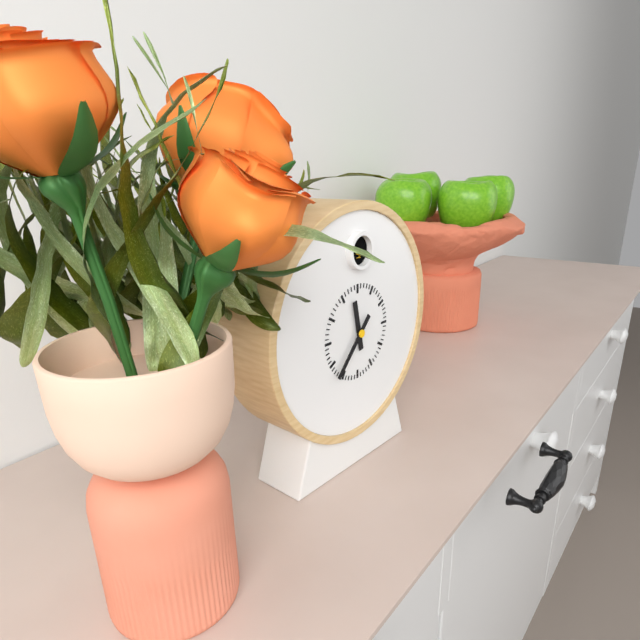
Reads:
{"hour": 11, "minute": 37}
